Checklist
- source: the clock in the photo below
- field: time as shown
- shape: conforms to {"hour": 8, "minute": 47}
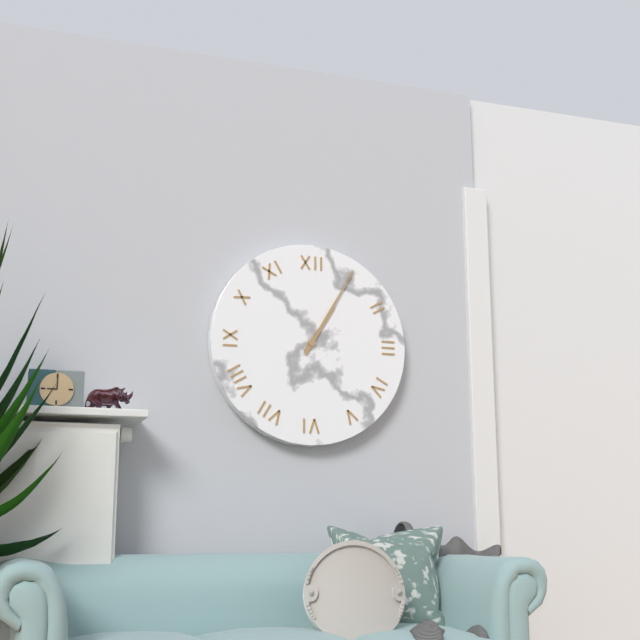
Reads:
{"hour": 1, "minute": 5}
